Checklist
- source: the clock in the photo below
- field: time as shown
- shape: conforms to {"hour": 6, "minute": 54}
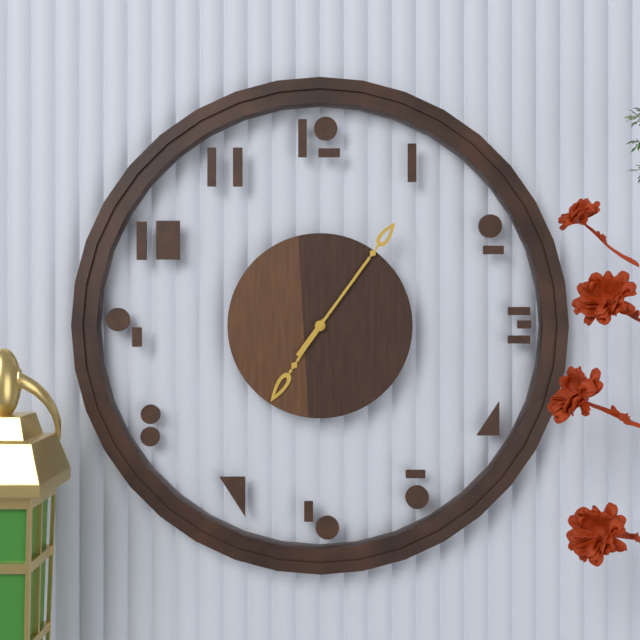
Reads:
{"hour": 7, "minute": 6}
